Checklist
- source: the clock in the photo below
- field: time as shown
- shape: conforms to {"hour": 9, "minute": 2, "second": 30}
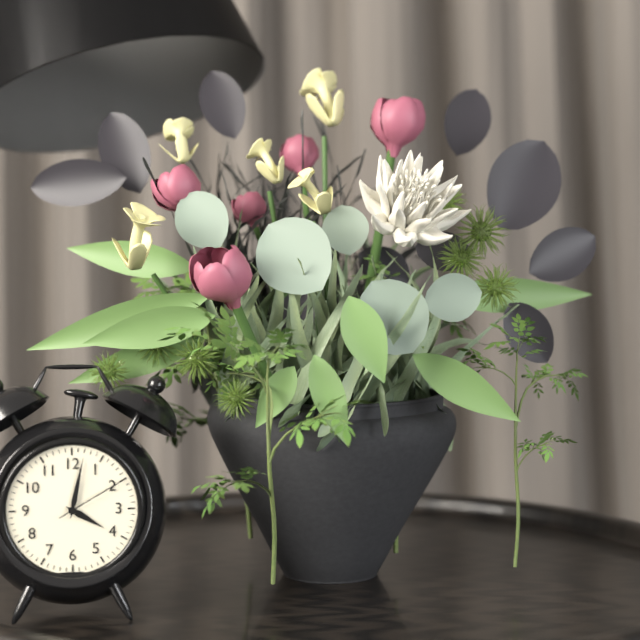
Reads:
{"hour": 4, "minute": 2, "second": 10}
